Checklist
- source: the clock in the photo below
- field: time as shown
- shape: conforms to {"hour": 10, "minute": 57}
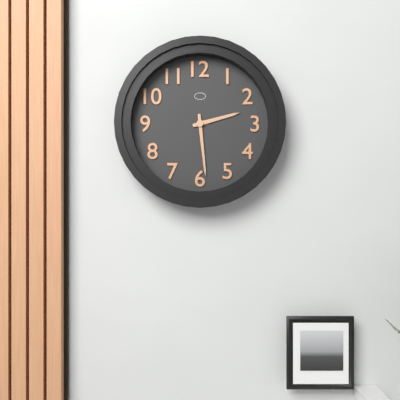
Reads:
{"hour": 2, "minute": 29}
